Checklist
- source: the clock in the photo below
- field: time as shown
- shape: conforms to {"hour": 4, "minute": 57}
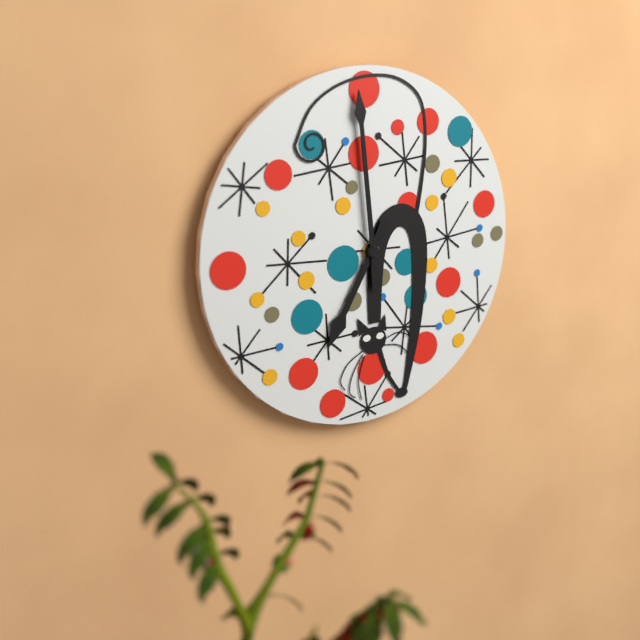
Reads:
{"hour": 6, "minute": 59}
